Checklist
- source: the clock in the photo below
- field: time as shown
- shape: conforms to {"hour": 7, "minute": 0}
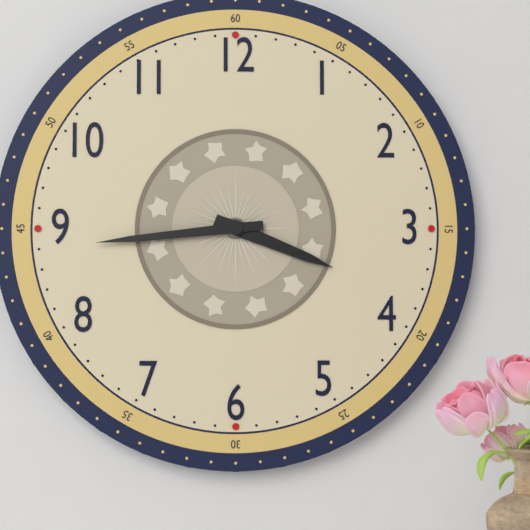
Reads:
{"hour": 3, "minute": 44}
